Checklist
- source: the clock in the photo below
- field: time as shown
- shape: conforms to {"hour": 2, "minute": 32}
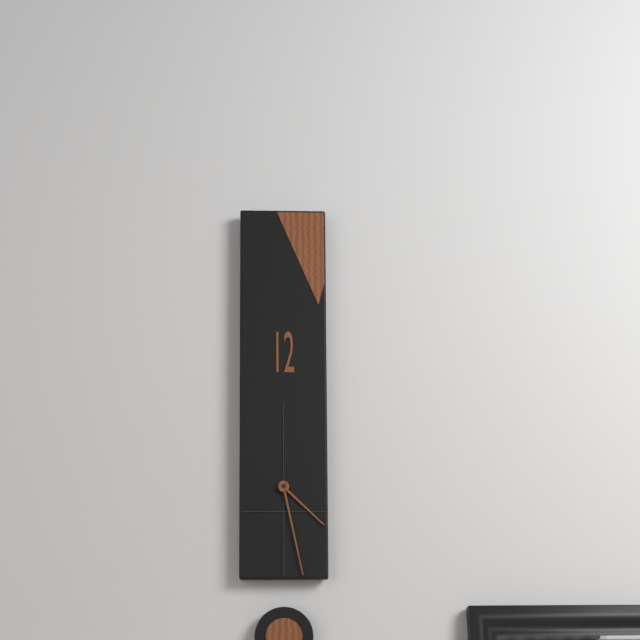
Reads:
{"hour": 4, "minute": 28}
